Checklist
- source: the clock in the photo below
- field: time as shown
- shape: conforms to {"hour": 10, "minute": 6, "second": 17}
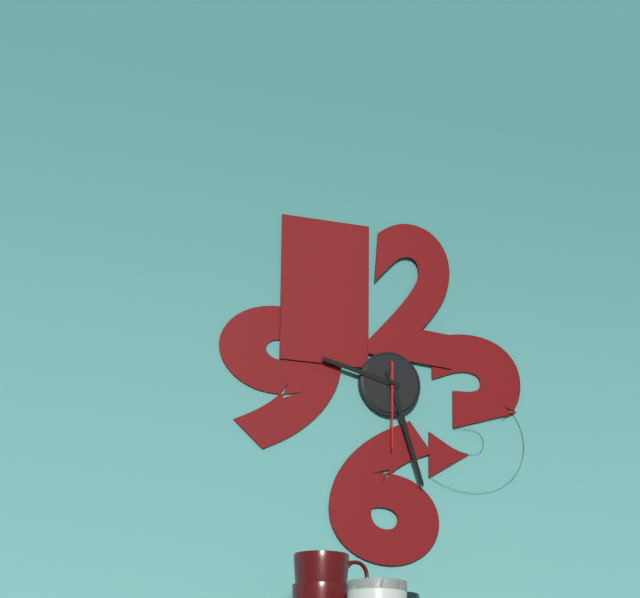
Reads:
{"hour": 9, "minute": 27, "second": 30}
